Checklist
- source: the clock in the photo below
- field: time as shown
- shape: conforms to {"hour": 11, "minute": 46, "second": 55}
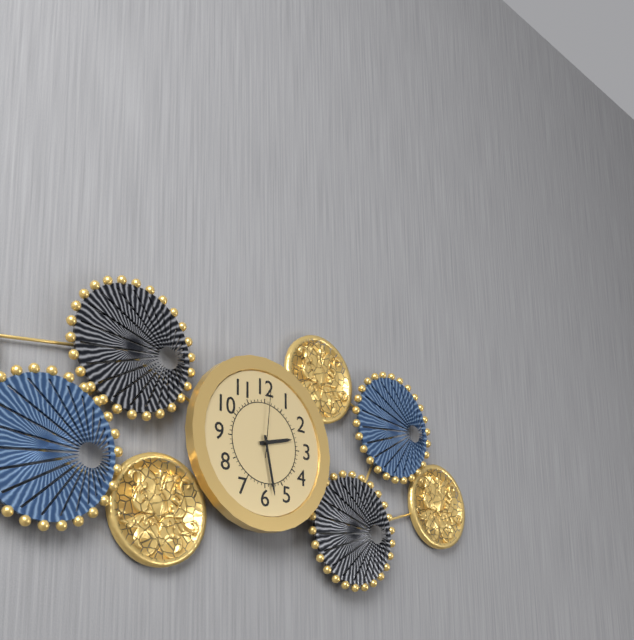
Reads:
{"hour": 2, "minute": 28, "second": 1}
